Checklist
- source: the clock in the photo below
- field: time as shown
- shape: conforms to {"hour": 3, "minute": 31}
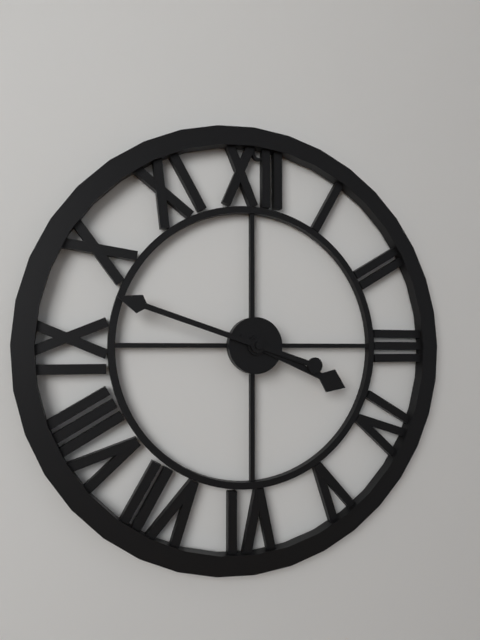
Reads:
{"hour": 3, "minute": 48}
